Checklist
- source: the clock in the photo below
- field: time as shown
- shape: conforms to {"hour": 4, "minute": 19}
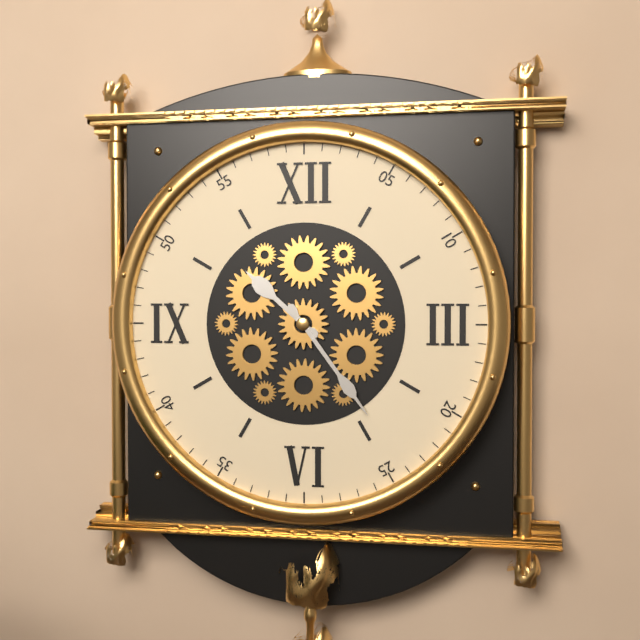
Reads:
{"hour": 10, "minute": 24}
